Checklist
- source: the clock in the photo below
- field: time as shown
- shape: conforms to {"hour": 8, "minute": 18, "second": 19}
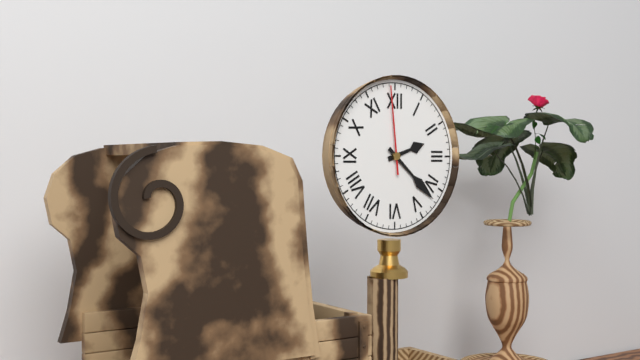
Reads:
{"hour": 2, "minute": 22, "second": 59}
